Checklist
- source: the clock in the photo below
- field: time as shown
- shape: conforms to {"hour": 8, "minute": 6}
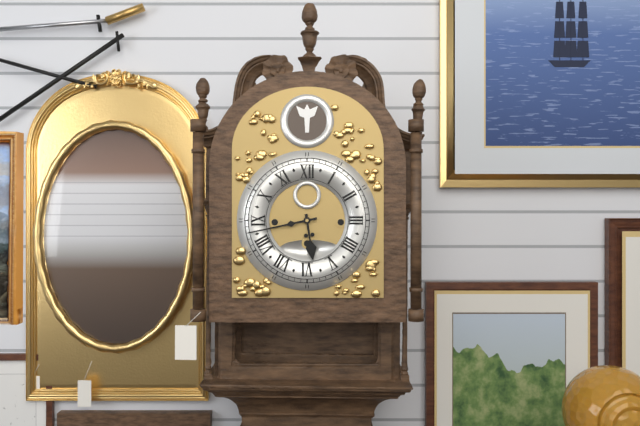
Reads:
{"hour": 5, "minute": 43}
